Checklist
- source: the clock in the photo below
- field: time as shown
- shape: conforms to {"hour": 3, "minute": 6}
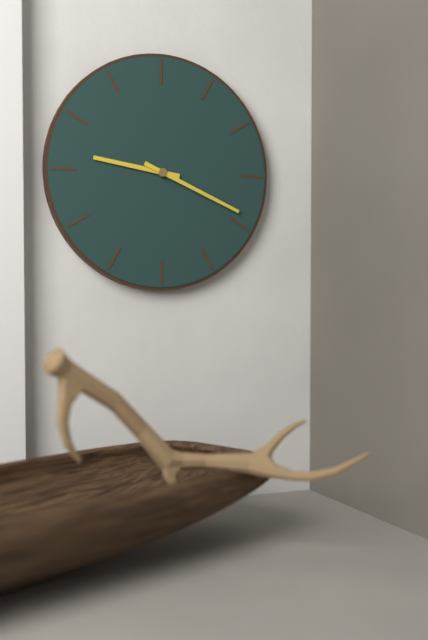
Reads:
{"hour": 9, "minute": 19}
